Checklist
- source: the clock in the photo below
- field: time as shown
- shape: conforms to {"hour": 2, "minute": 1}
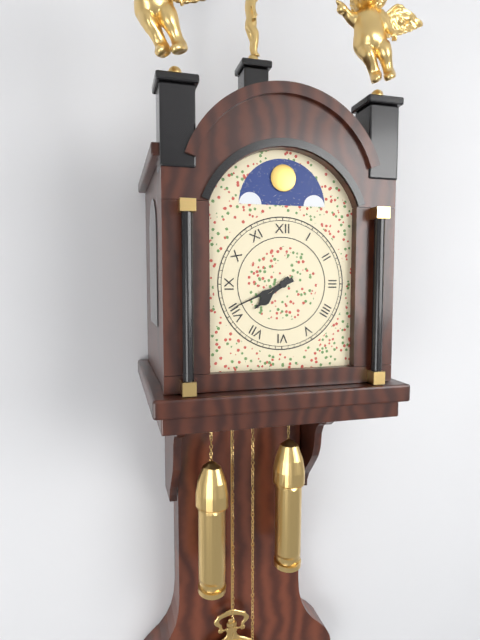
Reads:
{"hour": 7, "minute": 41}
